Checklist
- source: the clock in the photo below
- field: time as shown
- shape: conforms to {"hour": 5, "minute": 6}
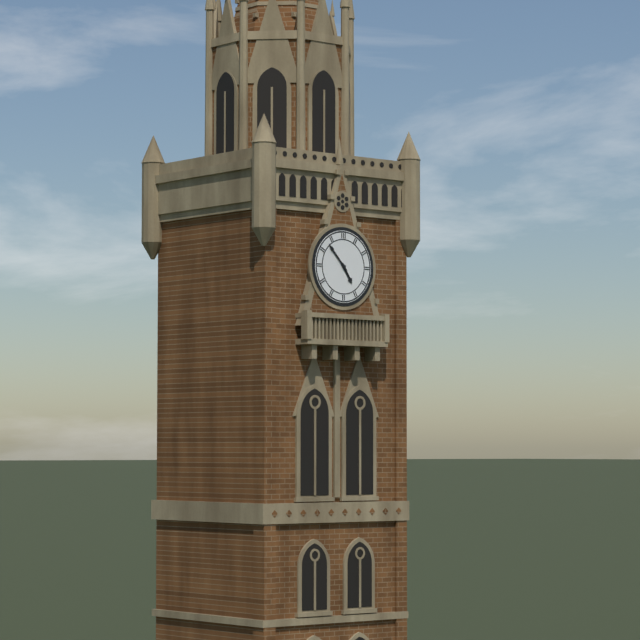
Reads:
{"hour": 4, "minute": 53}
